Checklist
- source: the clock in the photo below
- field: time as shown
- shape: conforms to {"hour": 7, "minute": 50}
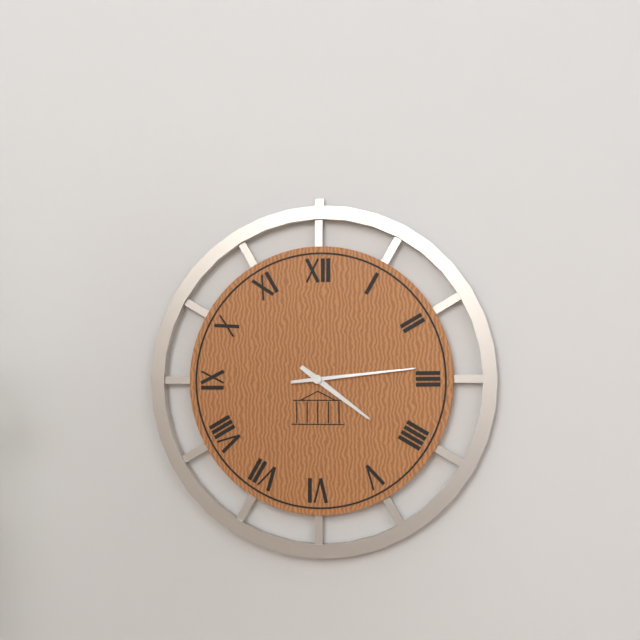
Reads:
{"hour": 4, "minute": 14}
